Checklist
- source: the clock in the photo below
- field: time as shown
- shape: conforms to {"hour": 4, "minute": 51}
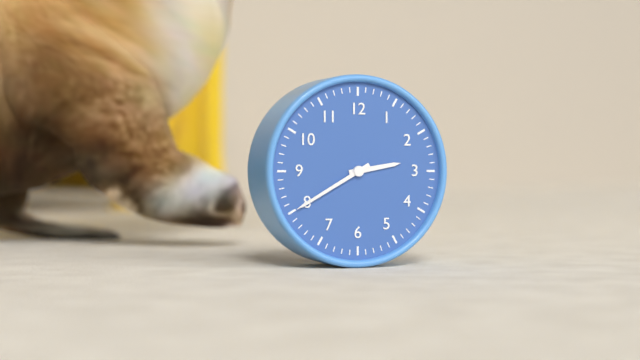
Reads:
{"hour": 2, "minute": 40}
